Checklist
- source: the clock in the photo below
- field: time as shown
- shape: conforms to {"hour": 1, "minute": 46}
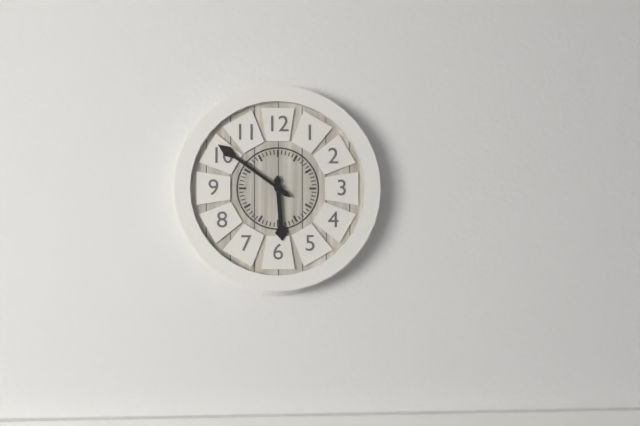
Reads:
{"hour": 5, "minute": 51}
